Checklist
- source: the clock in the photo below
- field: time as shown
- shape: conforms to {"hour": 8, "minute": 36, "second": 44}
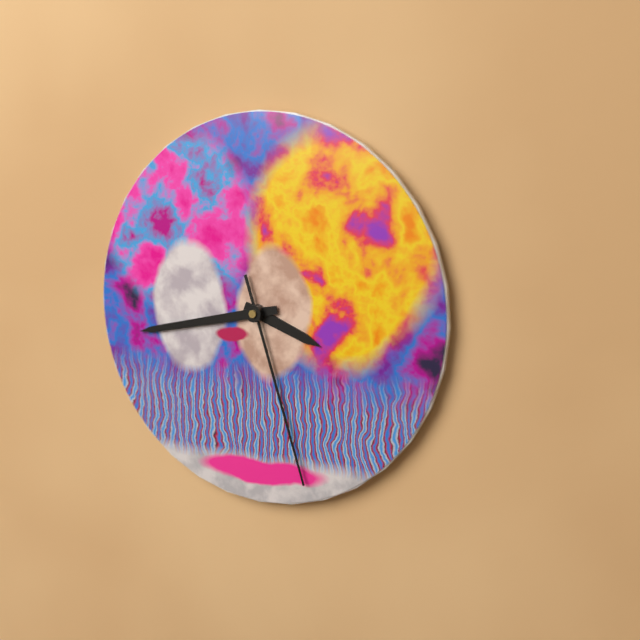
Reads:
{"hour": 3, "minute": 43, "second": 27}
